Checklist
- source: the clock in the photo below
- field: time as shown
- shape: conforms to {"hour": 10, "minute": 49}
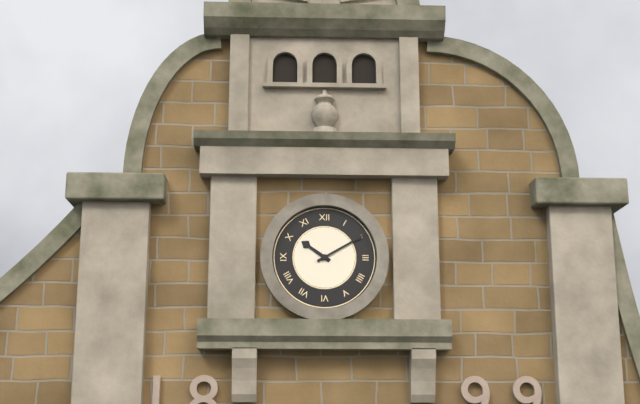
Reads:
{"hour": 10, "minute": 10}
